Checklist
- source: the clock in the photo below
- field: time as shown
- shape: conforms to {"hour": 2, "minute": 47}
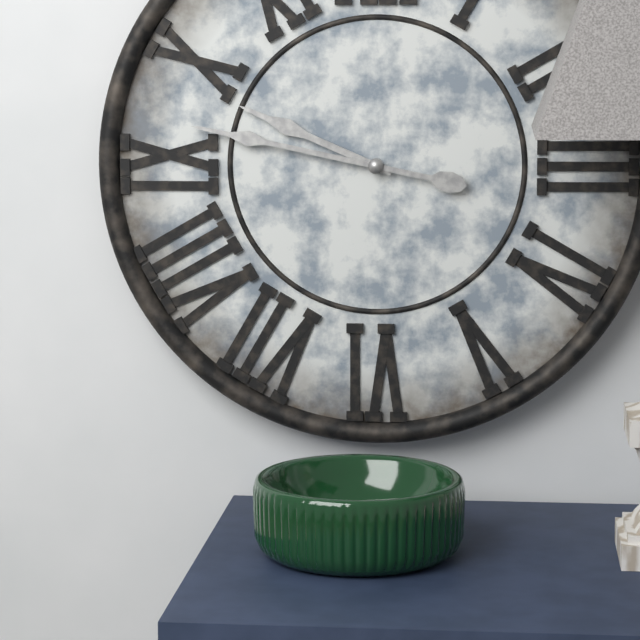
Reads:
{"hour": 9, "minute": 47}
